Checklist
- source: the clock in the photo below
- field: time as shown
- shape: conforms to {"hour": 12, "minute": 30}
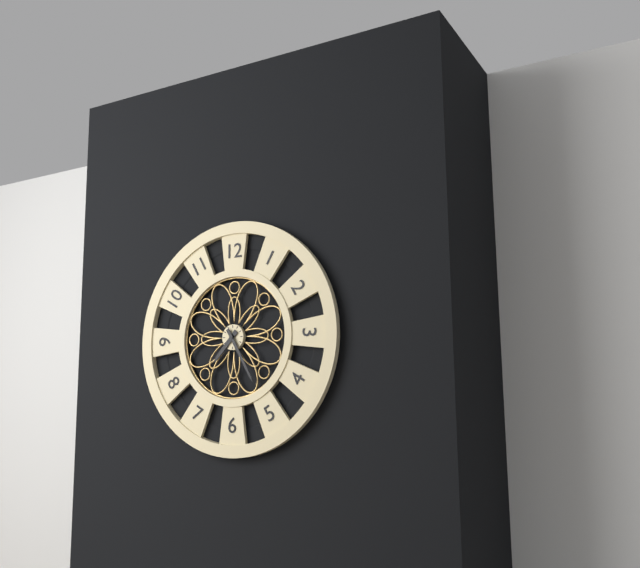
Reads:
{"hour": 7, "minute": 25}
